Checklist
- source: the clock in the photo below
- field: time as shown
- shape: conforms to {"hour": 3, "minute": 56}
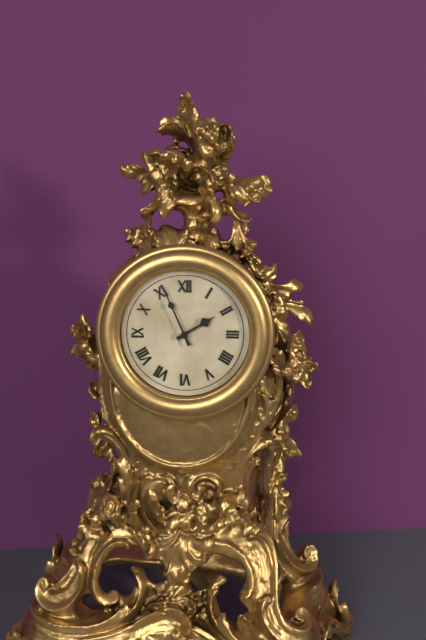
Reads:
{"hour": 1, "minute": 56}
